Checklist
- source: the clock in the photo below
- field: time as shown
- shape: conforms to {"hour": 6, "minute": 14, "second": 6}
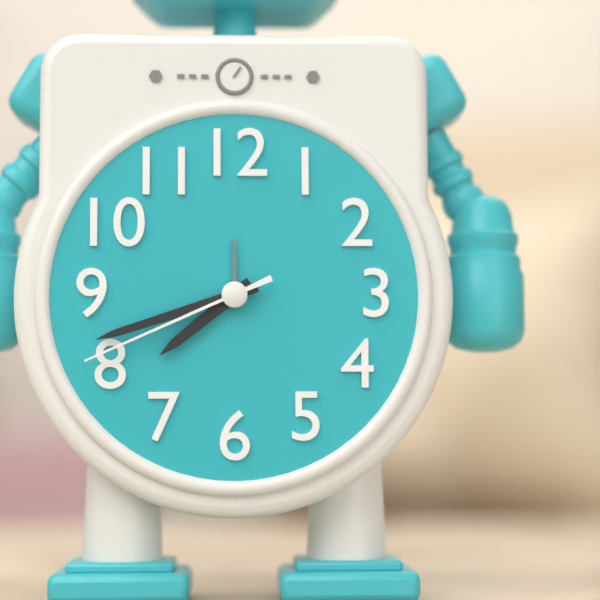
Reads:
{"hour": 7, "minute": 42, "second": 41}
